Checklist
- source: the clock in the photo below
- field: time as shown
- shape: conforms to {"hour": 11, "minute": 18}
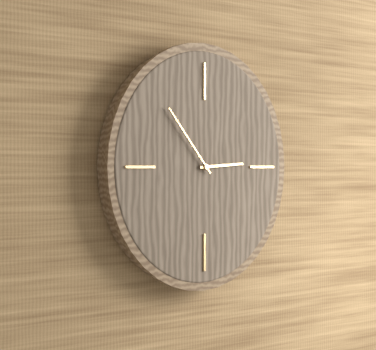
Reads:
{"hour": 2, "minute": 53}
